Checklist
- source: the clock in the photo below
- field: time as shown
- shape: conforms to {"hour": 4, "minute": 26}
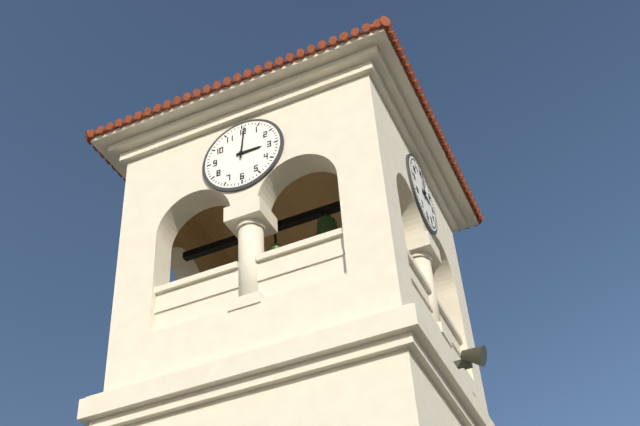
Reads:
{"hour": 3, "minute": 1}
